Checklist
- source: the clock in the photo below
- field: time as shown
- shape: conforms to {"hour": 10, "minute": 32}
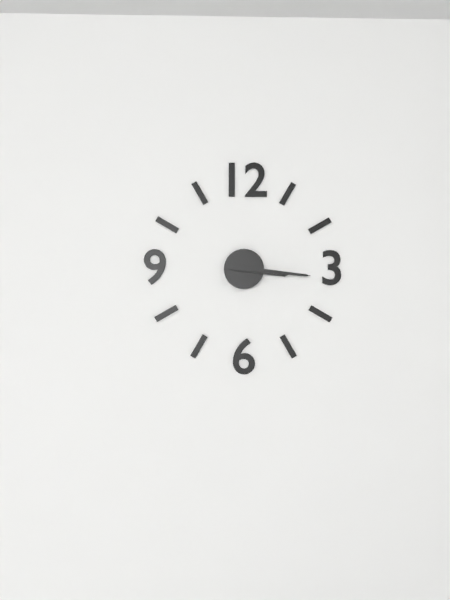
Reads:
{"hour": 3, "minute": 16}
